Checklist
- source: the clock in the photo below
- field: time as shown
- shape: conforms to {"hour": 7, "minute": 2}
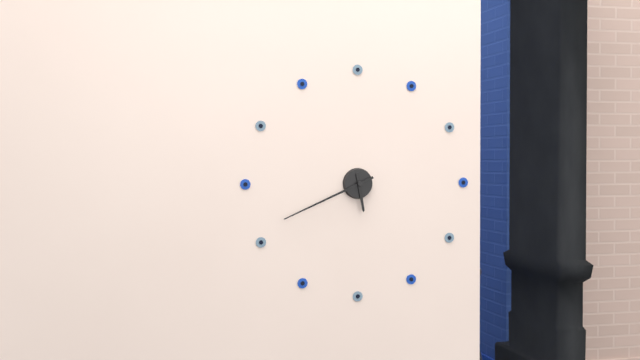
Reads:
{"hour": 5, "minute": 41}
